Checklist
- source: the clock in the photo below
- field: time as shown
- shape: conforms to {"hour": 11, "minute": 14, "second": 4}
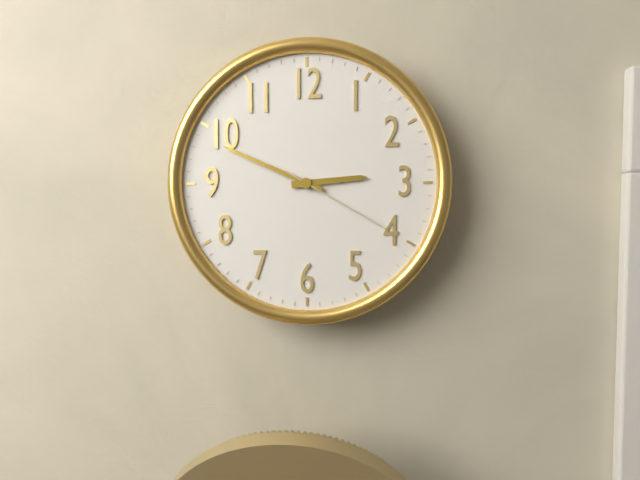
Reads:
{"hour": 2, "minute": 49, "second": 20}
